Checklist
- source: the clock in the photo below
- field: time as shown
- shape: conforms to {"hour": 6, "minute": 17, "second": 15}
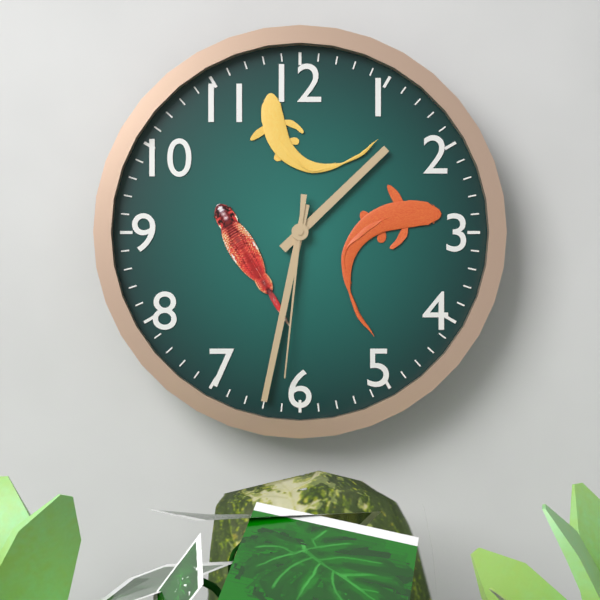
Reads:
{"hour": 1, "minute": 32, "second": 31}
